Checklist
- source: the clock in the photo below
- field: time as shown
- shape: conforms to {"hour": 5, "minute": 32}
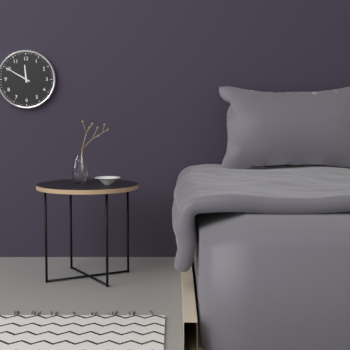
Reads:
{"hour": 11, "minute": 50}
